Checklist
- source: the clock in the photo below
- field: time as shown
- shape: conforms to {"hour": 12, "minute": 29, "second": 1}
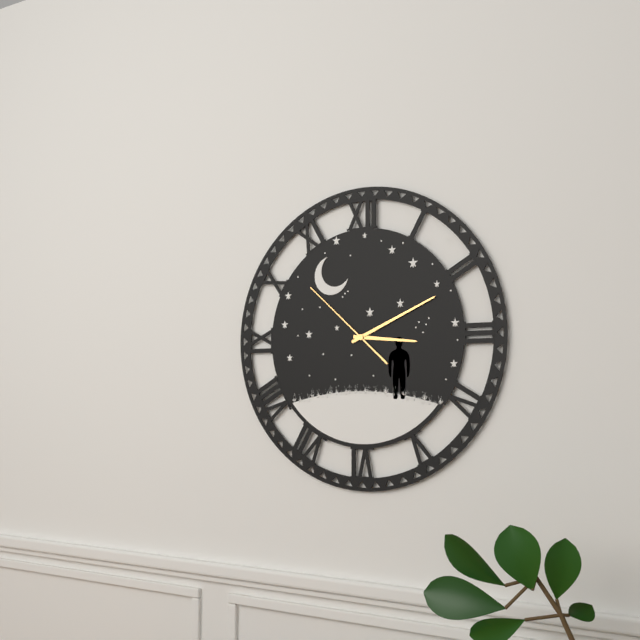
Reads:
{"hour": 3, "minute": 11, "second": 52}
